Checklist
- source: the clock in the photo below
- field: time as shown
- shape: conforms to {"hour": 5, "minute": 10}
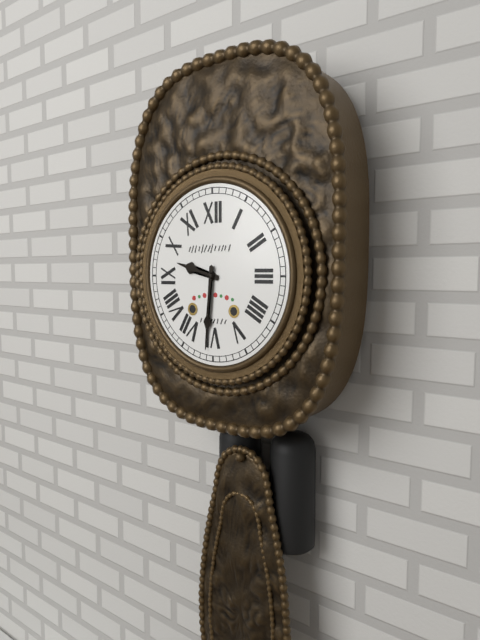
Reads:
{"hour": 9, "minute": 31}
